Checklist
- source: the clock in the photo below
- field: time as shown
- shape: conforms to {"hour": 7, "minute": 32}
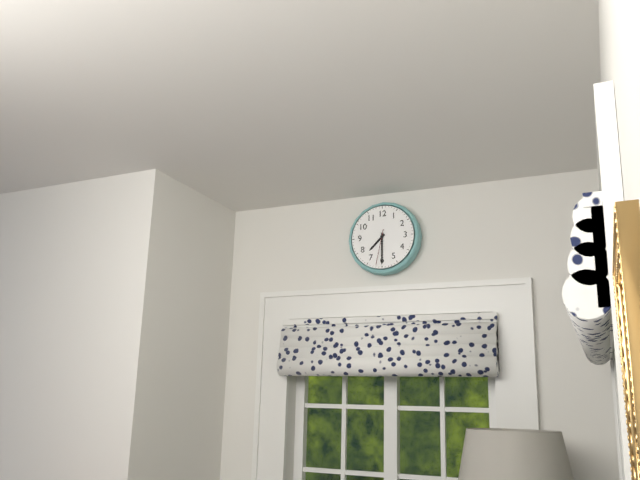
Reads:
{"hour": 7, "minute": 30}
